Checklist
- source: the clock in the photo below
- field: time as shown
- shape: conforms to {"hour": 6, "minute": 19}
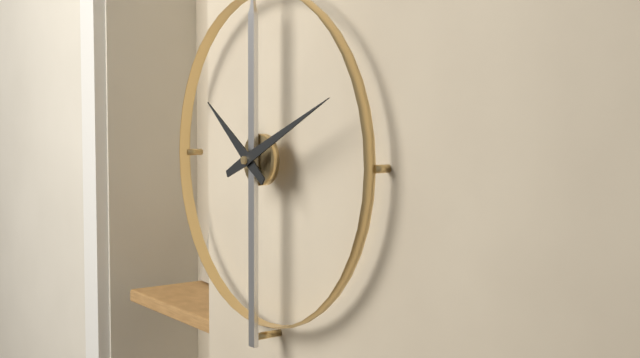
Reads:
{"hour": 10, "minute": 11}
